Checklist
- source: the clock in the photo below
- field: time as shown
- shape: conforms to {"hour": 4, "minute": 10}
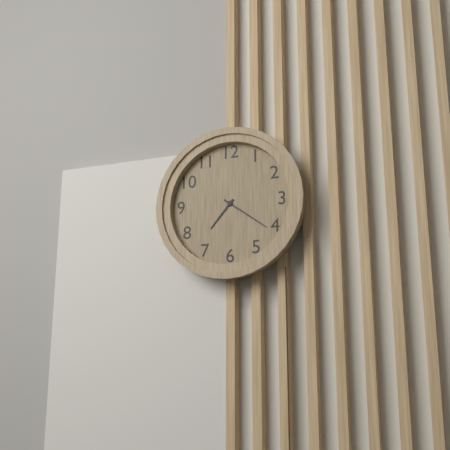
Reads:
{"hour": 7, "minute": 21}
